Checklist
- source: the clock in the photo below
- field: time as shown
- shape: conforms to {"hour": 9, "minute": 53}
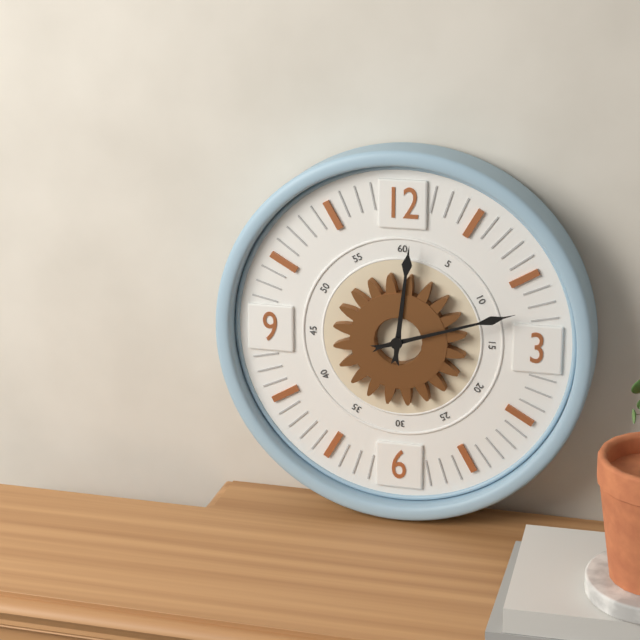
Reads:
{"hour": 12, "minute": 12}
